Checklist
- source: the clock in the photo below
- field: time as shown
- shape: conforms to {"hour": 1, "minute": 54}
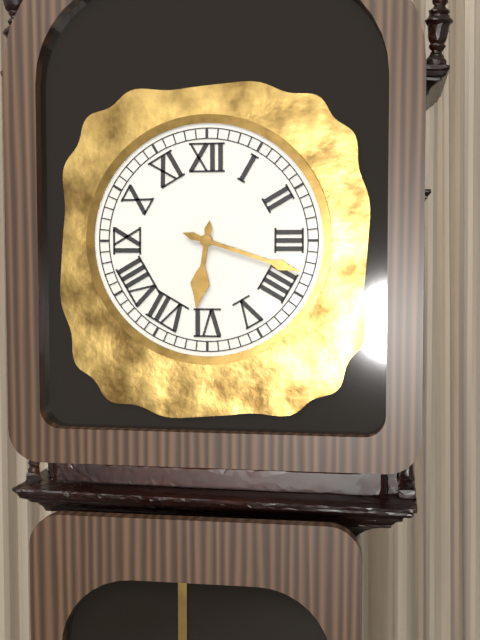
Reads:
{"hour": 6, "minute": 18}
